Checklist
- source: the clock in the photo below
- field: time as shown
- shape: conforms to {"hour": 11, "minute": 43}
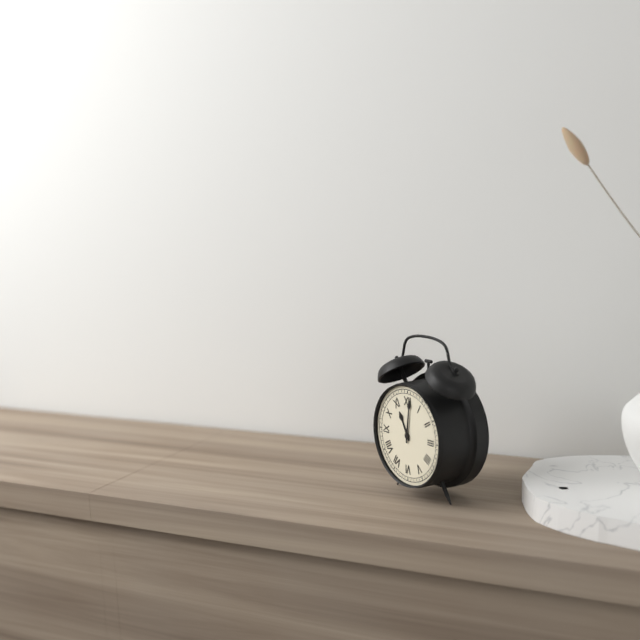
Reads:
{"hour": 11, "minute": 1}
